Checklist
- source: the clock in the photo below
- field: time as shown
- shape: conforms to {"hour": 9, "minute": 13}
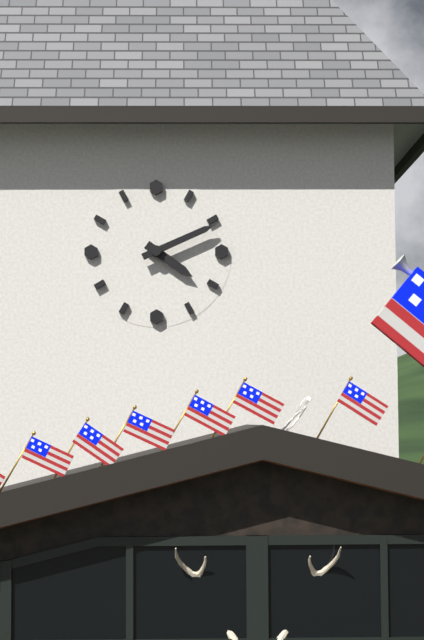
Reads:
{"hour": 4, "minute": 11}
